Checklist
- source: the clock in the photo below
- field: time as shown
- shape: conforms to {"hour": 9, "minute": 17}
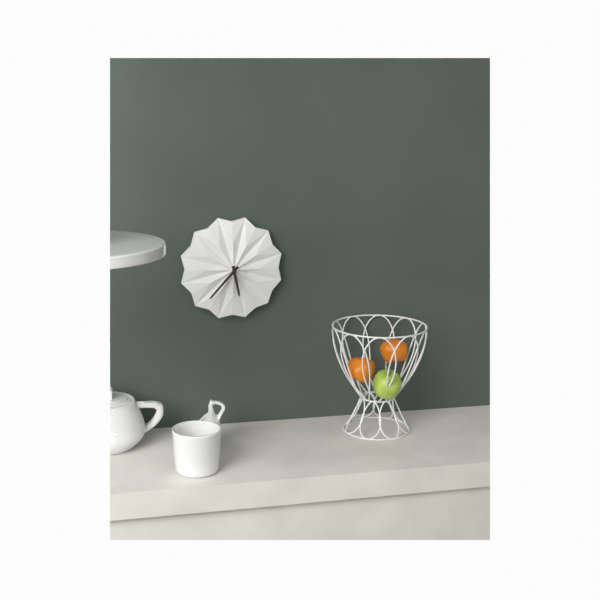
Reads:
{"hour": 5, "minute": 37}
